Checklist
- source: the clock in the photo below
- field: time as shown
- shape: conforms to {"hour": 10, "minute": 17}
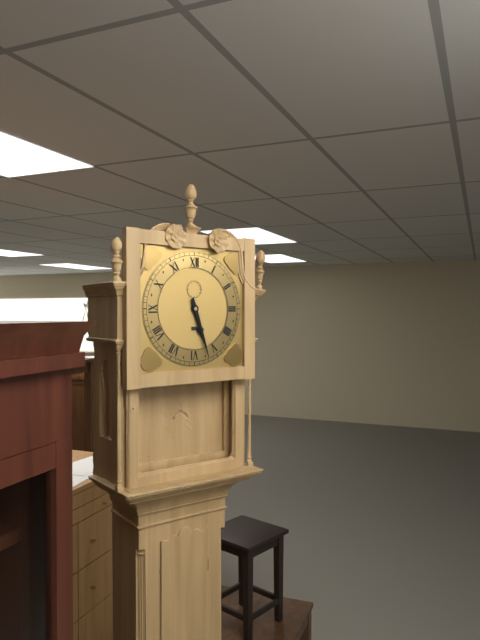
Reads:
{"hour": 5, "minute": 27}
